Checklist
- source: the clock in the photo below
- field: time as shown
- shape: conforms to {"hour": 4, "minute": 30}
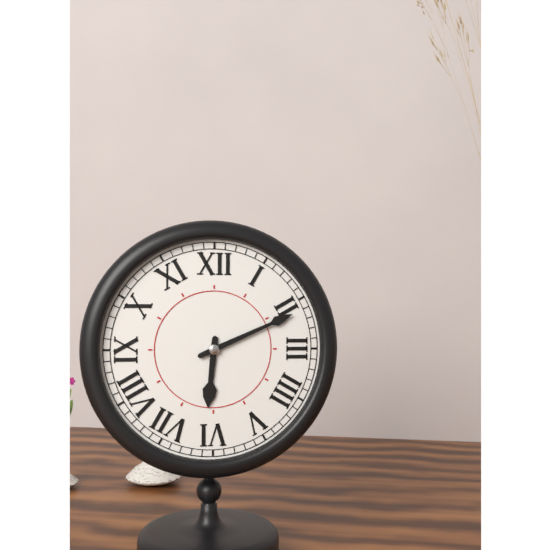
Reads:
{"hour": 6, "minute": 11}
